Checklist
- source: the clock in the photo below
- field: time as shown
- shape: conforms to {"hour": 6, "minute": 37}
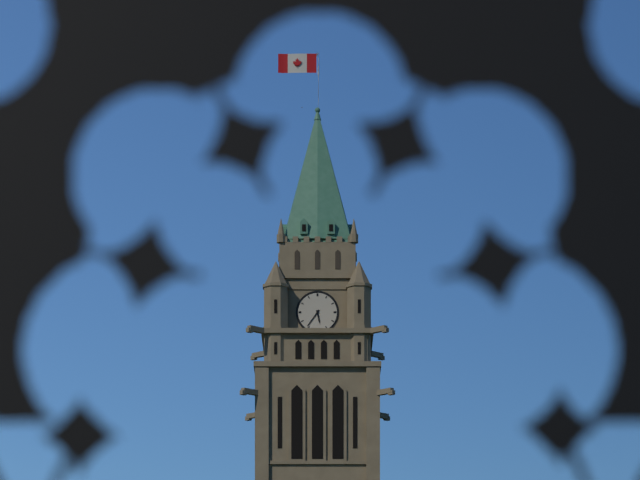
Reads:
{"hour": 5, "minute": 36}
